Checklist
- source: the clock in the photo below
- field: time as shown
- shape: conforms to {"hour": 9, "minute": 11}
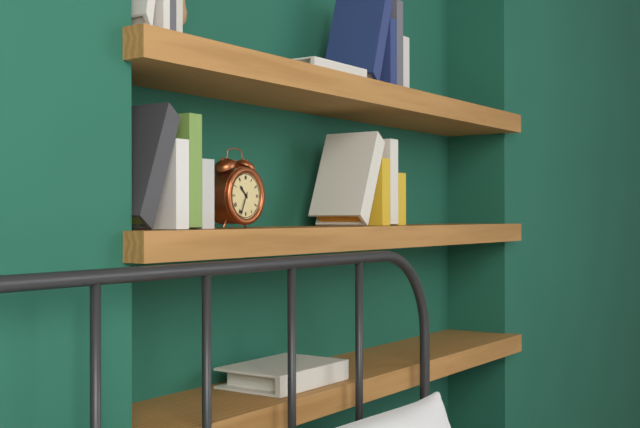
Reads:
{"hour": 10, "minute": 34}
